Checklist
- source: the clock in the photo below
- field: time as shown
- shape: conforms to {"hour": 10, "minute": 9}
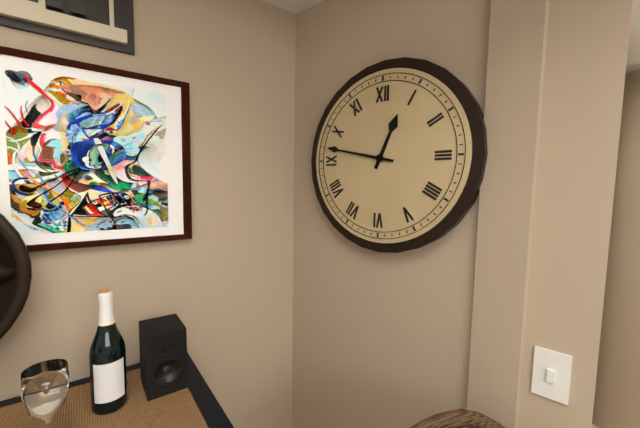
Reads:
{"hour": 12, "minute": 47}
